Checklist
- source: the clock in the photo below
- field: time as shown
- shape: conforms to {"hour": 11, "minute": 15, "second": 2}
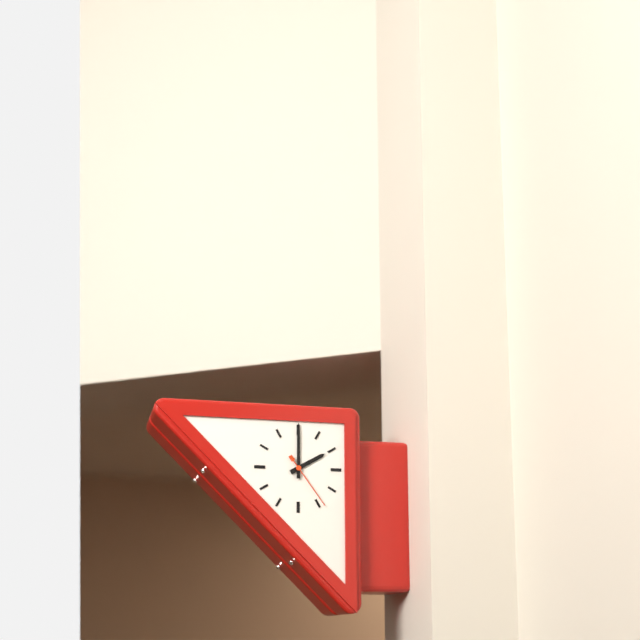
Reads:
{"hour": 2, "minute": 0, "second": 24}
